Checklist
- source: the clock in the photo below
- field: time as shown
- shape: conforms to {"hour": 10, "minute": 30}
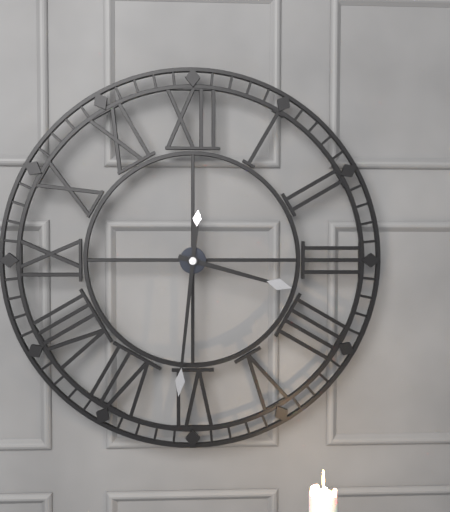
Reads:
{"hour": 3, "minute": 31}
